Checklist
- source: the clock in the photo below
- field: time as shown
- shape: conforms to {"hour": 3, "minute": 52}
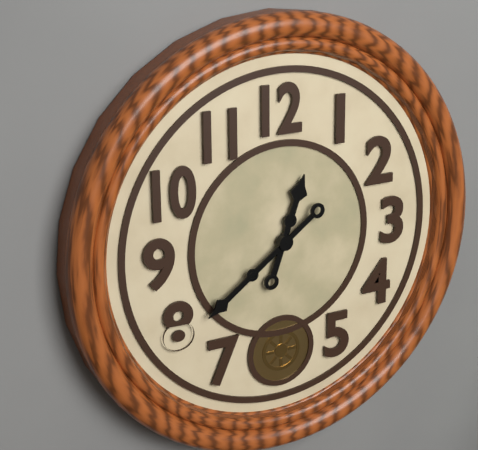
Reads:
{"hour": 12, "minute": 39}
